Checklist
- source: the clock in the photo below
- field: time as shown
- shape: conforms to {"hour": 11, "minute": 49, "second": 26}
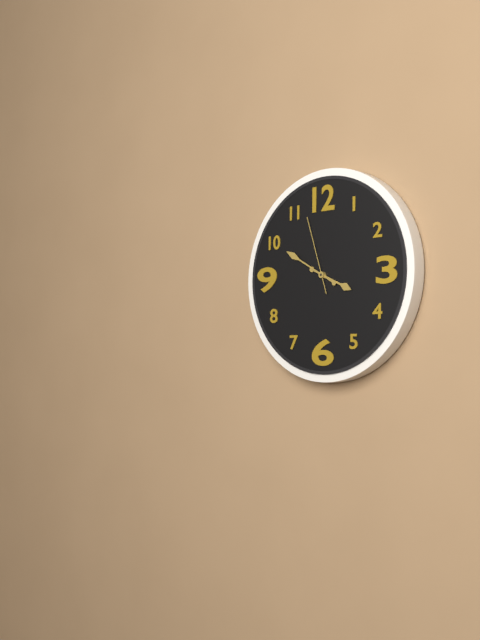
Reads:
{"hour": 3, "minute": 50, "second": 57}
